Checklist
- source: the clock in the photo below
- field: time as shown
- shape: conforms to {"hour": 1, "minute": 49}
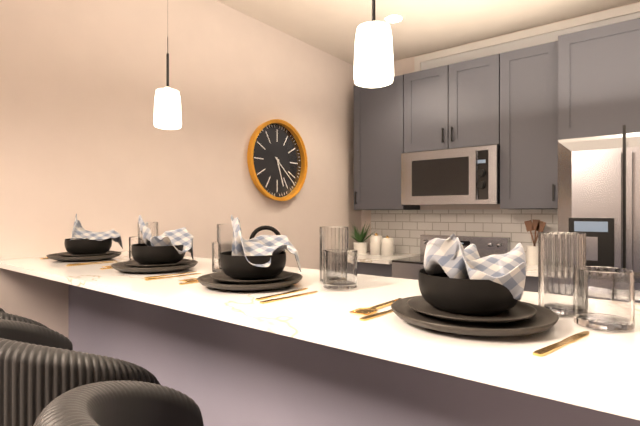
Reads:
{"hour": 5, "minute": 22}
